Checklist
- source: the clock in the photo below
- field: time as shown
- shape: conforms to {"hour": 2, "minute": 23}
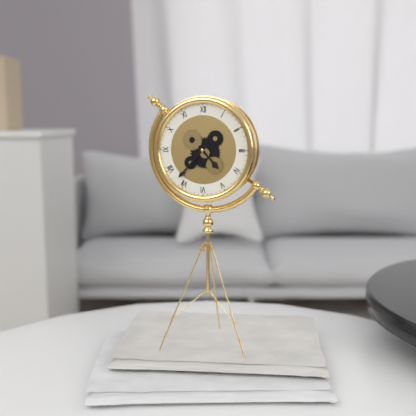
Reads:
{"hour": 4, "minute": 37}
